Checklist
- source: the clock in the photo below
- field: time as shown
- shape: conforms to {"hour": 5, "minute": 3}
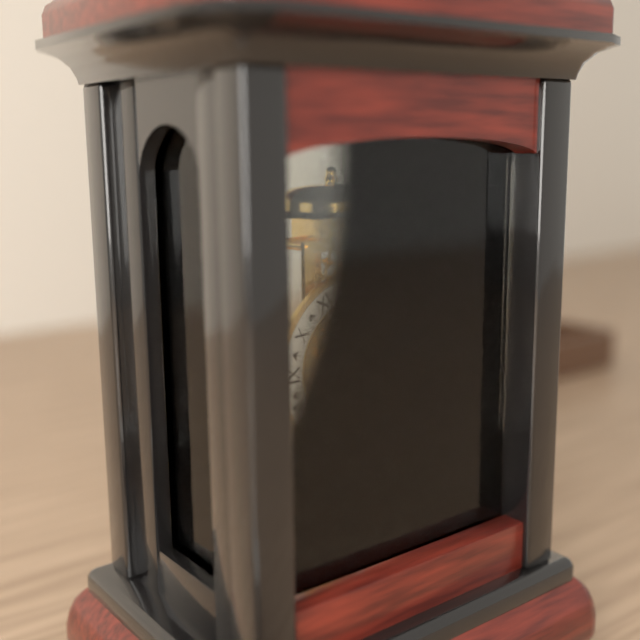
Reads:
{"hour": 5, "minute": 16}
